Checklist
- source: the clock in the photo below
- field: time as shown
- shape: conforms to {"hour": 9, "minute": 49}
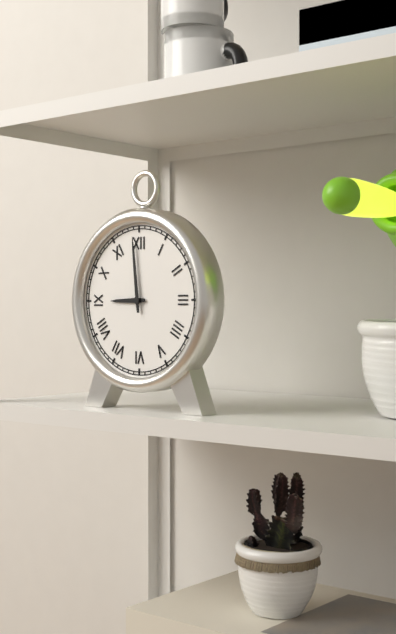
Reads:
{"hour": 8, "minute": 59}
